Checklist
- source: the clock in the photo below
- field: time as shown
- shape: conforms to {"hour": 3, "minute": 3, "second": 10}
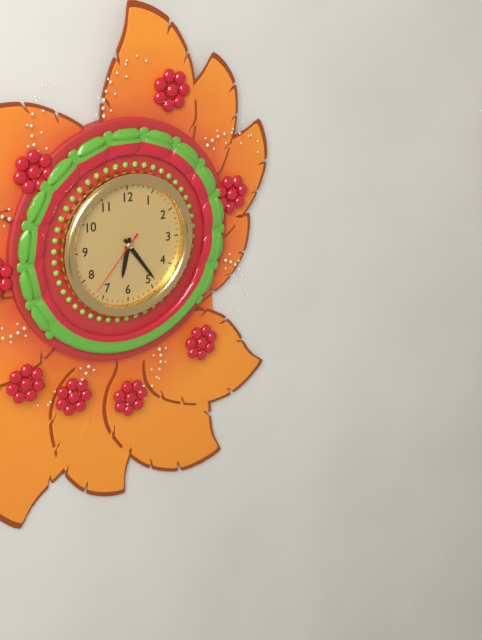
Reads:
{"hour": 6, "minute": 24, "second": 37}
